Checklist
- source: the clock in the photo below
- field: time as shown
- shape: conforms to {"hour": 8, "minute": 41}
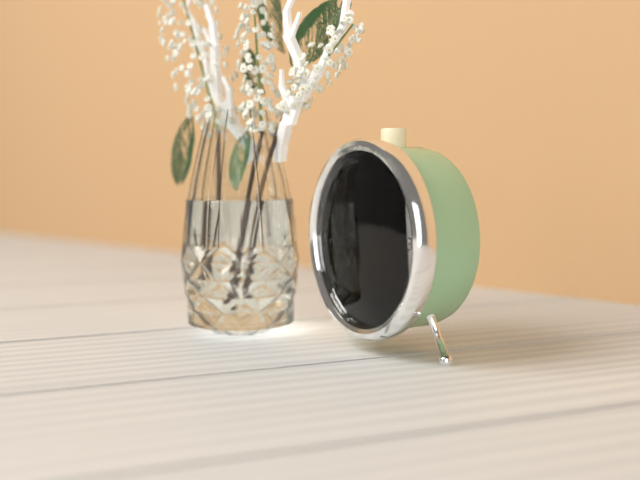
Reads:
{"hour": 4, "minute": 46}
